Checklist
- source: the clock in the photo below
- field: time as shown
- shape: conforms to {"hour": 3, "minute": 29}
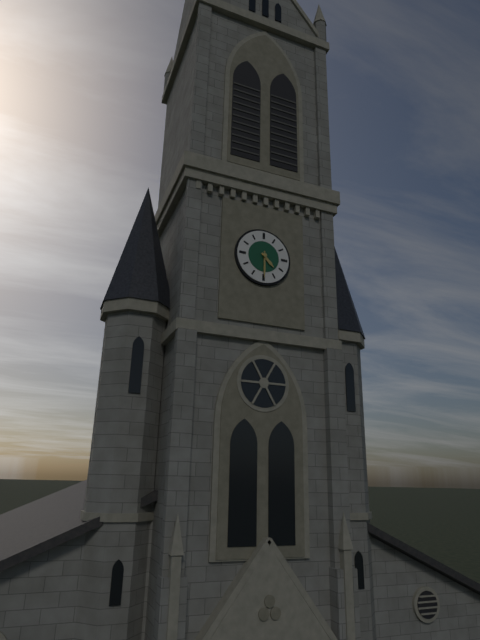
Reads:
{"hour": 4, "minute": 30}
